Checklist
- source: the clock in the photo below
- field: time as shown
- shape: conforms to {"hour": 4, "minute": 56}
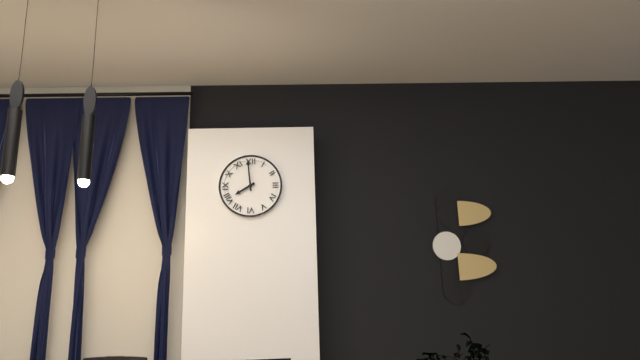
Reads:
{"hour": 7, "minute": 59}
